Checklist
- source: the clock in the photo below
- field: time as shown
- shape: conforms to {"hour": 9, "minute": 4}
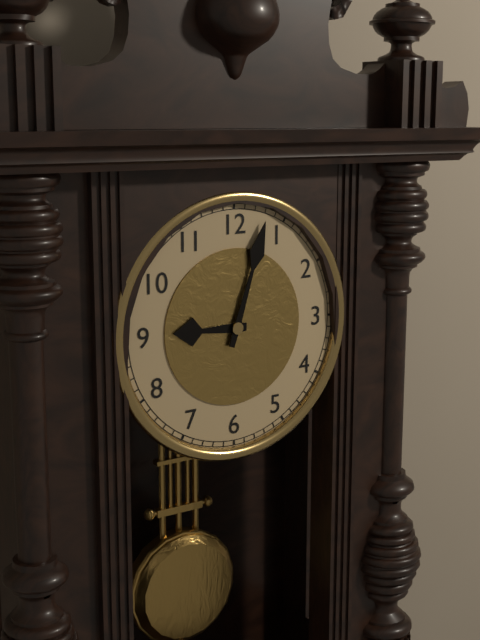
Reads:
{"hour": 9, "minute": 3}
